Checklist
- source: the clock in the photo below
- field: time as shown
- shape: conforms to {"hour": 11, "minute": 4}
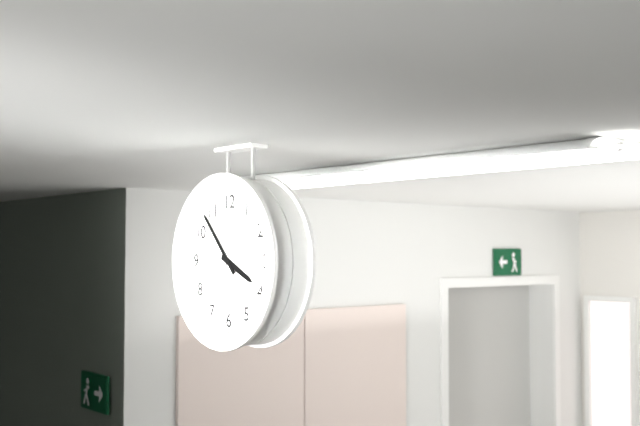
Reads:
{"hour": 3, "minute": 53}
